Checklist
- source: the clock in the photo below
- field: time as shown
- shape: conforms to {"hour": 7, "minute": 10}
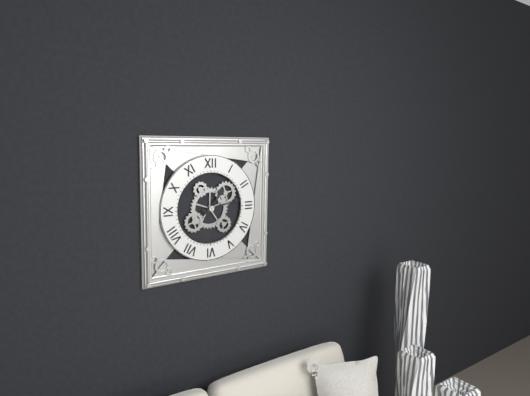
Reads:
{"hour": 1, "minute": 13}
